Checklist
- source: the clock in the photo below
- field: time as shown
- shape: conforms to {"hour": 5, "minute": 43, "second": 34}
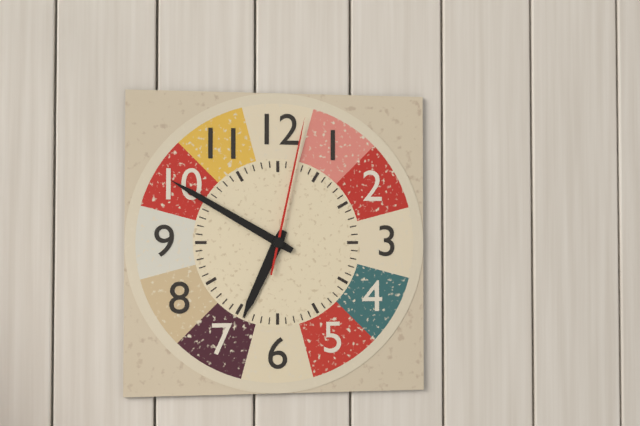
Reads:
{"hour": 6, "minute": 50, "second": 2}
